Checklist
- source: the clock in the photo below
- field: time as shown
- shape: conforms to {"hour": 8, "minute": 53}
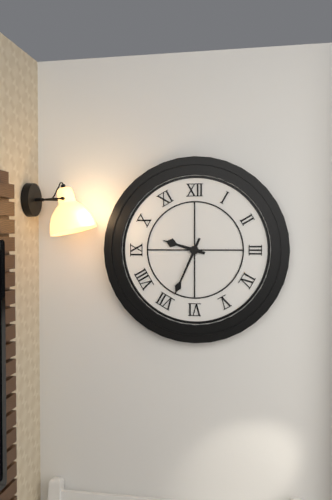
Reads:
{"hour": 9, "minute": 34}
